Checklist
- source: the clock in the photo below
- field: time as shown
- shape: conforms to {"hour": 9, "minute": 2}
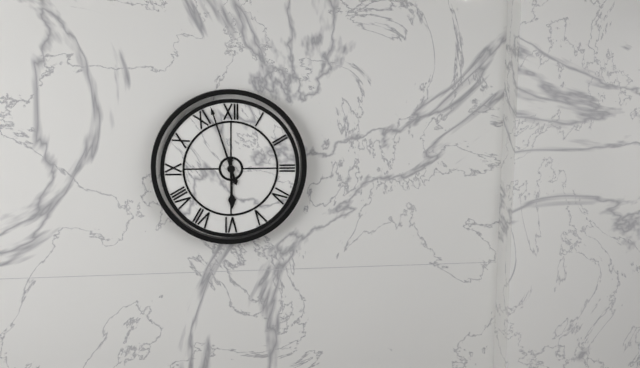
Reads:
{"hour": 5, "minute": 57}
